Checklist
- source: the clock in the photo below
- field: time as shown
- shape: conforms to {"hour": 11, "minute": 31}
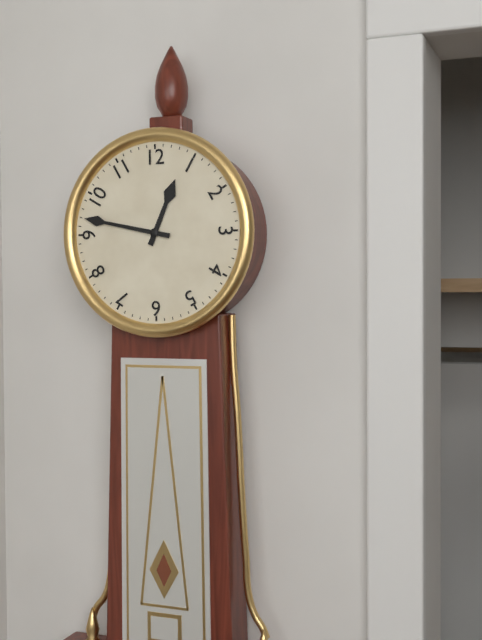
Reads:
{"hour": 12, "minute": 47}
